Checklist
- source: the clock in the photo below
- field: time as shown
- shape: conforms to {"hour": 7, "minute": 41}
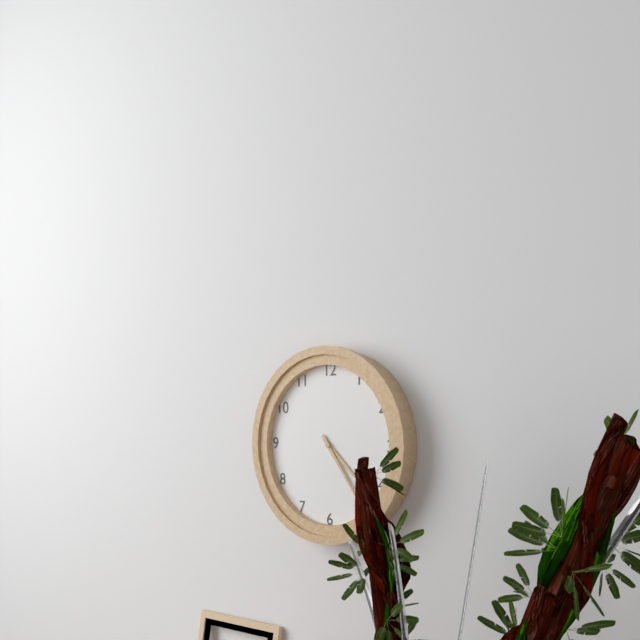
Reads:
{"hour": 4, "minute": 24}
